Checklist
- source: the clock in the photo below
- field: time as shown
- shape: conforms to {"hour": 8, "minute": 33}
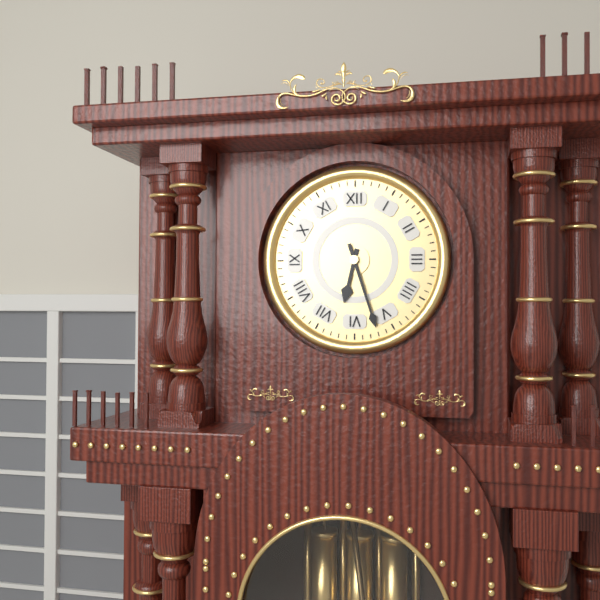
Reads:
{"hour": 6, "minute": 27}
